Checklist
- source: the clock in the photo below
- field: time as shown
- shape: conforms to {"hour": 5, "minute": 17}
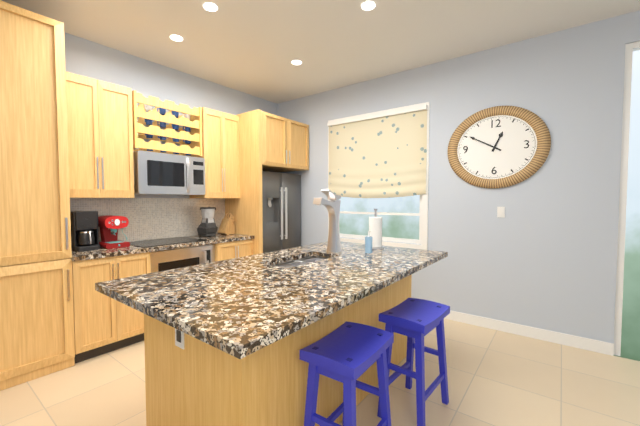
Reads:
{"hour": 12, "minute": 50}
